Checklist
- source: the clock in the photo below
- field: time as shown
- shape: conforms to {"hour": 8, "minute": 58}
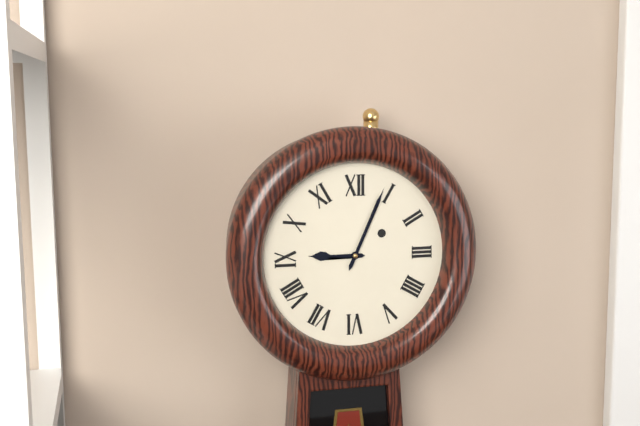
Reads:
{"hour": 9, "minute": 4}
